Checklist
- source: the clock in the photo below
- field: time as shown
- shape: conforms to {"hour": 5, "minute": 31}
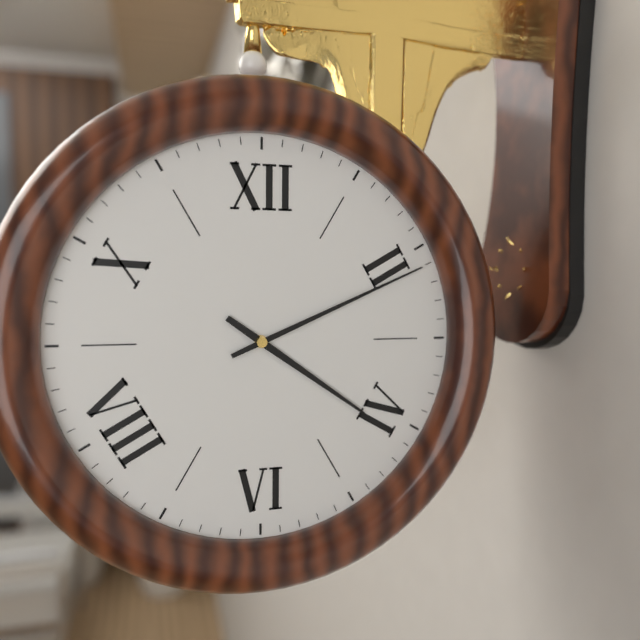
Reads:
{"hour": 4, "minute": 11}
